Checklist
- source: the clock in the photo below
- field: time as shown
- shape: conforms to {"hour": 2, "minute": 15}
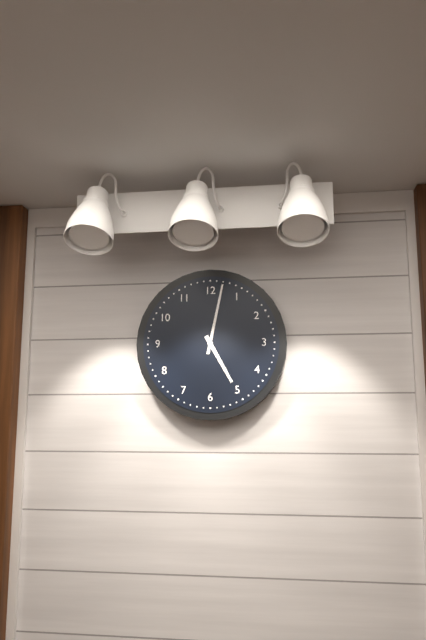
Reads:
{"hour": 5, "minute": 2}
